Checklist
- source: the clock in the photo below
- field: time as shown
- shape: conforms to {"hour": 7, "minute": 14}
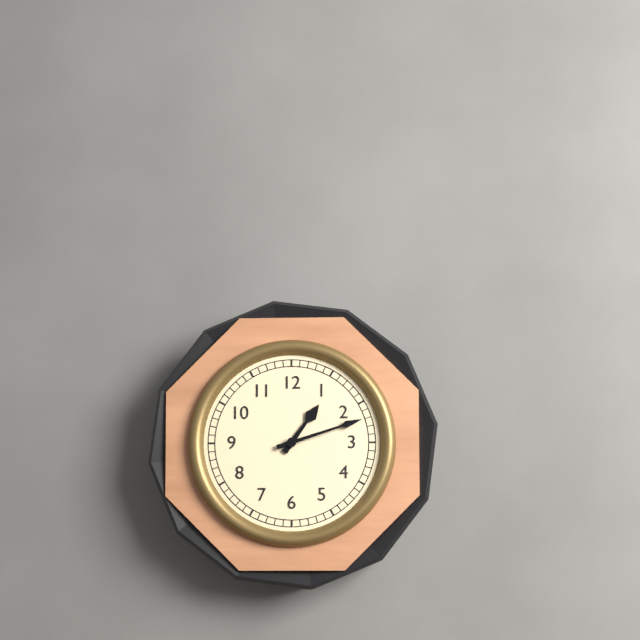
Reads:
{"hour": 1, "minute": 12}
